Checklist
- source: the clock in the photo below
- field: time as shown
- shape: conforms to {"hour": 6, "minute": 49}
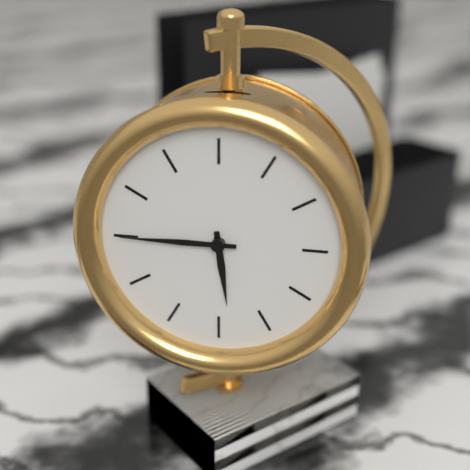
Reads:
{"hour": 5, "minute": 45}
